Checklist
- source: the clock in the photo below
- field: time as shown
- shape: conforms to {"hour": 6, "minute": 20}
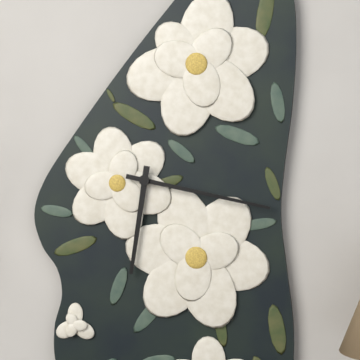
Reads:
{"hour": 6, "minute": 17}
